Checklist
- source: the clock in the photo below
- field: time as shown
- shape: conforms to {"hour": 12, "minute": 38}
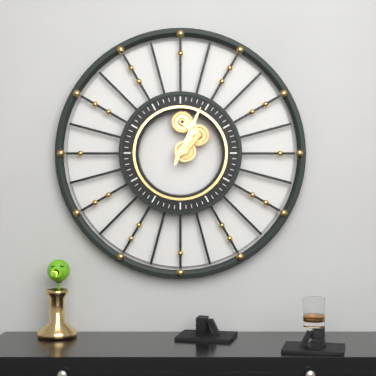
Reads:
{"hour": 1, "minute": 4}
